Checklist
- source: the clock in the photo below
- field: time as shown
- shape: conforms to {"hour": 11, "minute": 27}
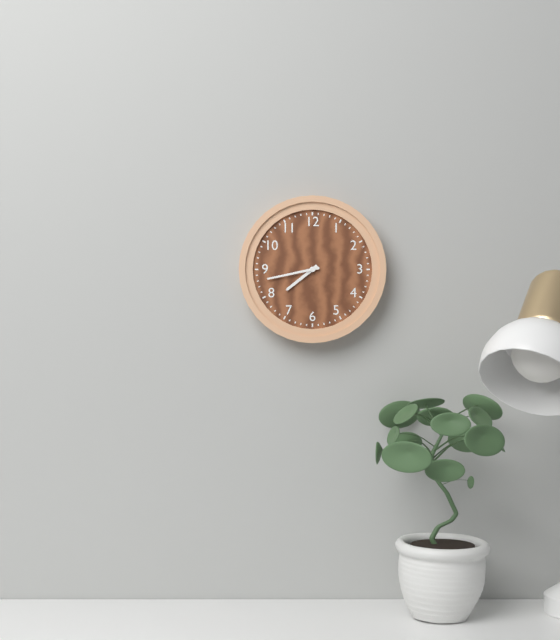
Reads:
{"hour": 7, "minute": 43}
